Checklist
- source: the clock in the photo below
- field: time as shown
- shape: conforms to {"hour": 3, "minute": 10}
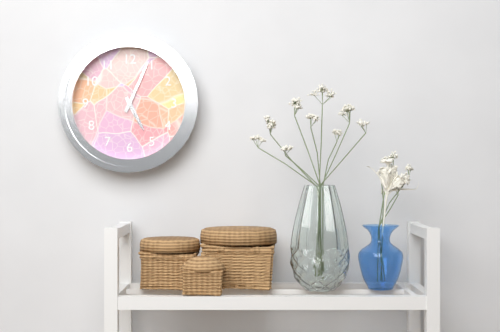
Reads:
{"hour": 5, "minute": 4}
